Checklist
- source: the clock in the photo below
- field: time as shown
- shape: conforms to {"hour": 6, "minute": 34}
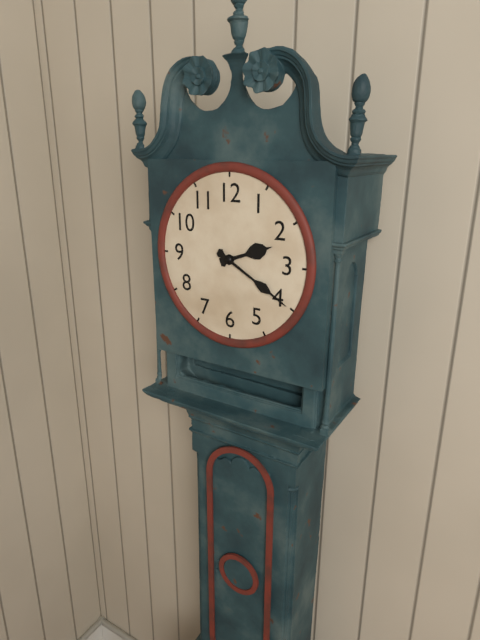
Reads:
{"hour": 2, "minute": 20}
